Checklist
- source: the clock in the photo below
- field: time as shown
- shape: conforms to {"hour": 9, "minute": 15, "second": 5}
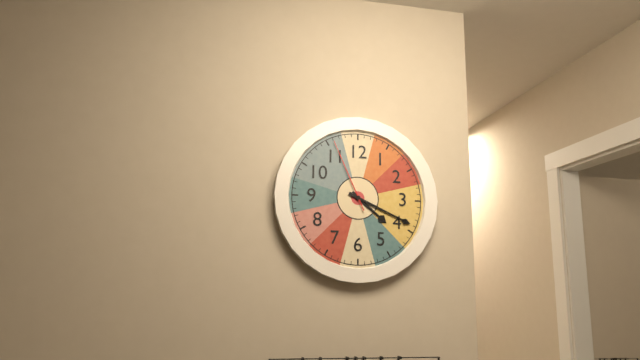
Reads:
{"hour": 4, "minute": 19, "second": 56}
